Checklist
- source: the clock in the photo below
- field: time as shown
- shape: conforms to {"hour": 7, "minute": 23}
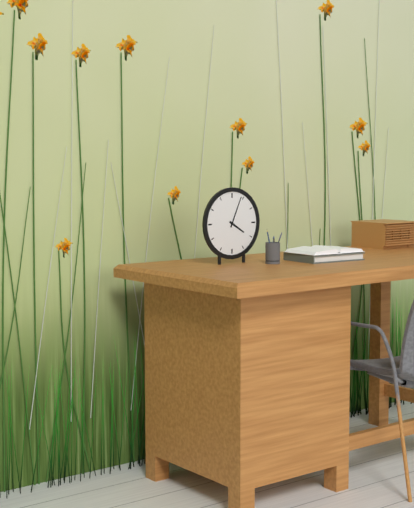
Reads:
{"hour": 4, "minute": 4}
